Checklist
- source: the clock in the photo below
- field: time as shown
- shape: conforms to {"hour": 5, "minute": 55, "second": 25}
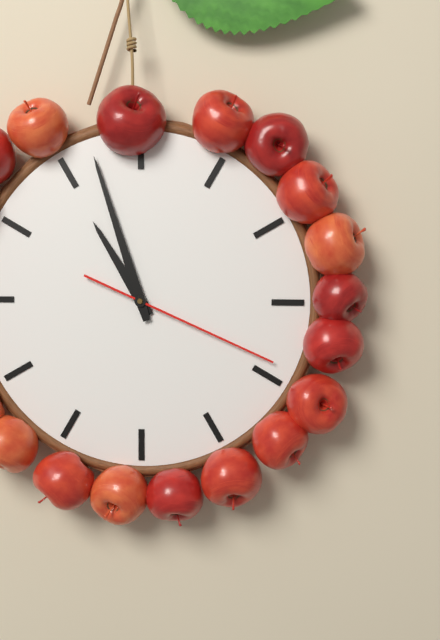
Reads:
{"hour": 10, "minute": 57, "second": 19}
